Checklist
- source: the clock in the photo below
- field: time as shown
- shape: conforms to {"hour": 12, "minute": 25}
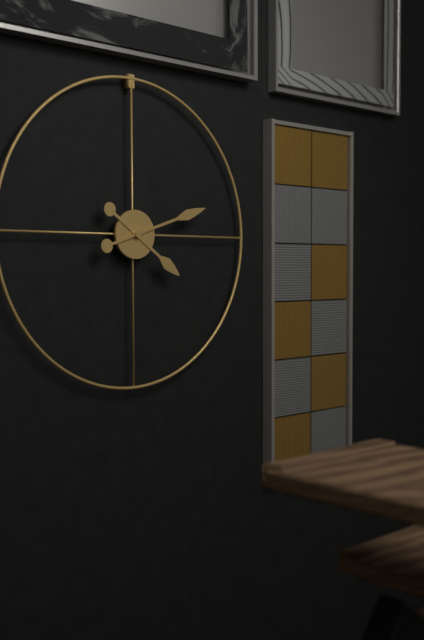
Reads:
{"hour": 4, "minute": 12}
